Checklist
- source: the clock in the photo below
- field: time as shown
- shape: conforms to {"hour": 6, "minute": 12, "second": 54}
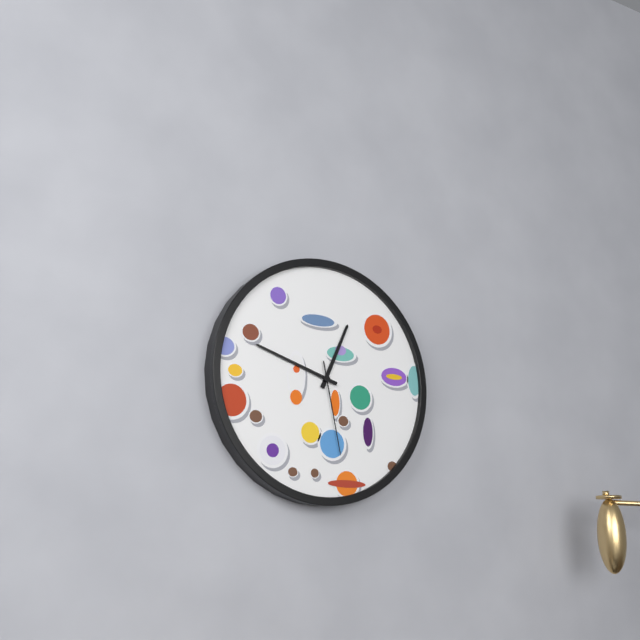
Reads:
{"hour": 12, "minute": 48, "second": 28}
